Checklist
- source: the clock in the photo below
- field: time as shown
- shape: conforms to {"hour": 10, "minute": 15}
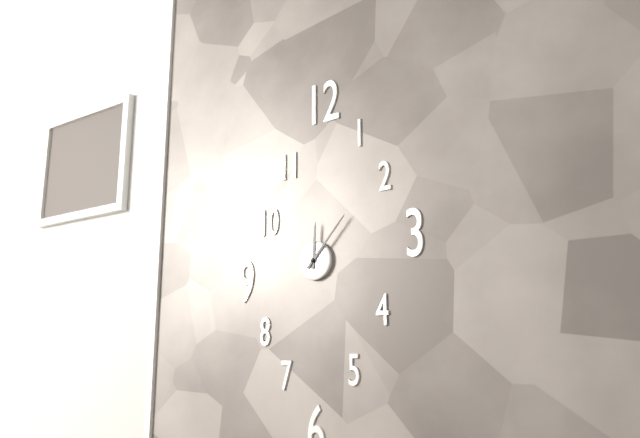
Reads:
{"hour": 12, "minute": 7}
